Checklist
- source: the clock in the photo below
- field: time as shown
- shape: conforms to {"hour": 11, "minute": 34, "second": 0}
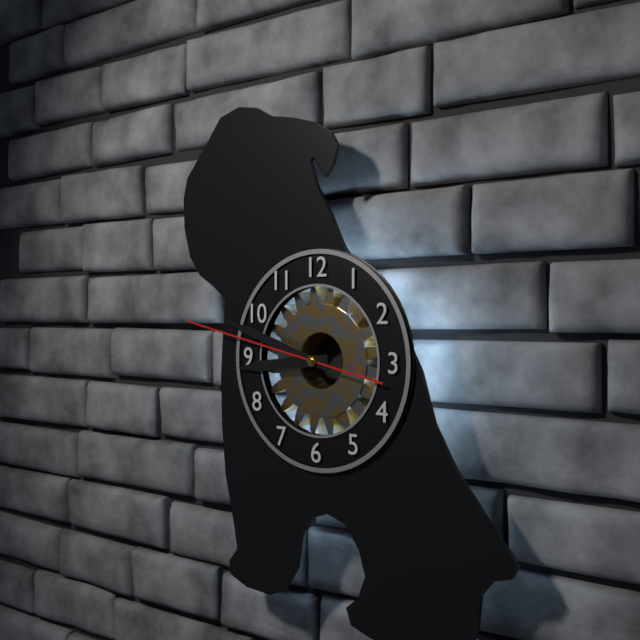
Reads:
{"hour": 8, "minute": 48, "second": 47}
